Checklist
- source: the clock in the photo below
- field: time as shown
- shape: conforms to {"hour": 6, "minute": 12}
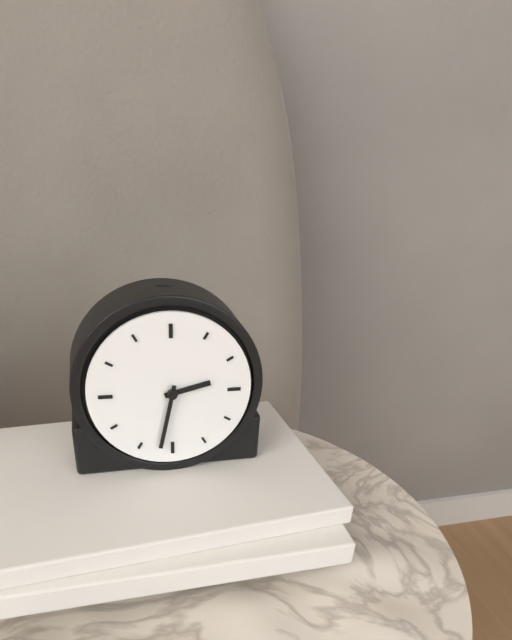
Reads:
{"hour": 2, "minute": 32}
